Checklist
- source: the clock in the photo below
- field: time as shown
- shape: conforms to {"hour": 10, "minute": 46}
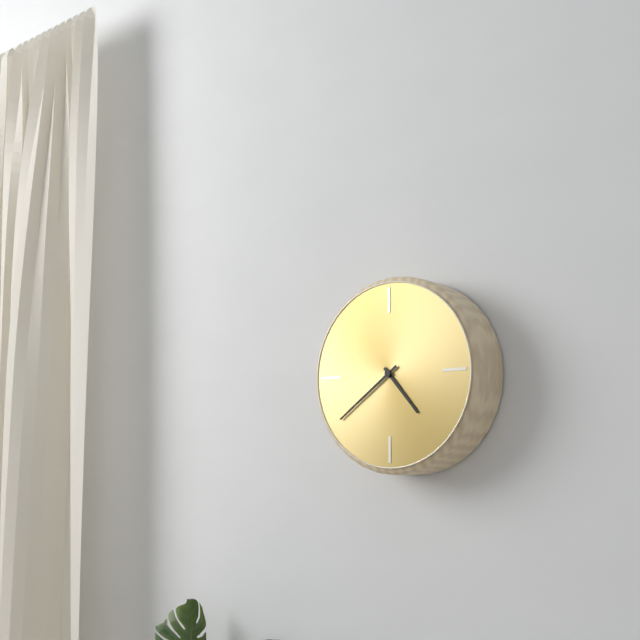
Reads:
{"hour": 4, "minute": 39}
